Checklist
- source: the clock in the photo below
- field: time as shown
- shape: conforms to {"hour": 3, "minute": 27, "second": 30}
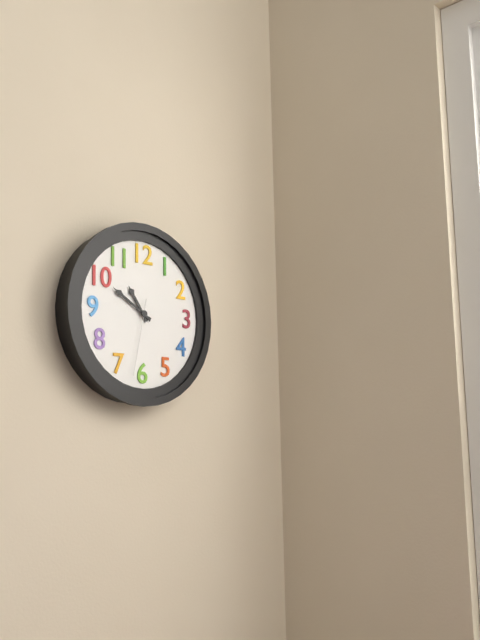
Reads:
{"hour": 10, "minute": 50, "second": 32}
